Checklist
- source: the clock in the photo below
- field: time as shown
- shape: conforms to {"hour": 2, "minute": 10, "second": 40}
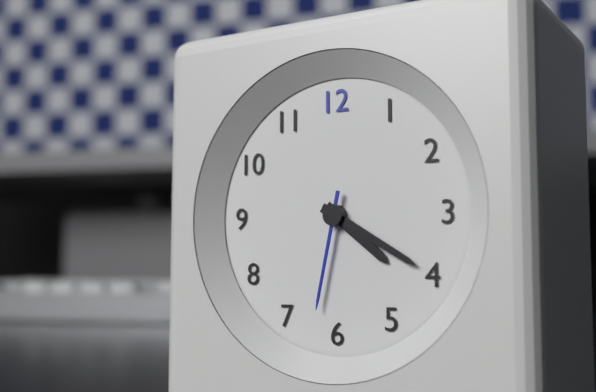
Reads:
{"hour": 4, "minute": 20, "second": 32}
